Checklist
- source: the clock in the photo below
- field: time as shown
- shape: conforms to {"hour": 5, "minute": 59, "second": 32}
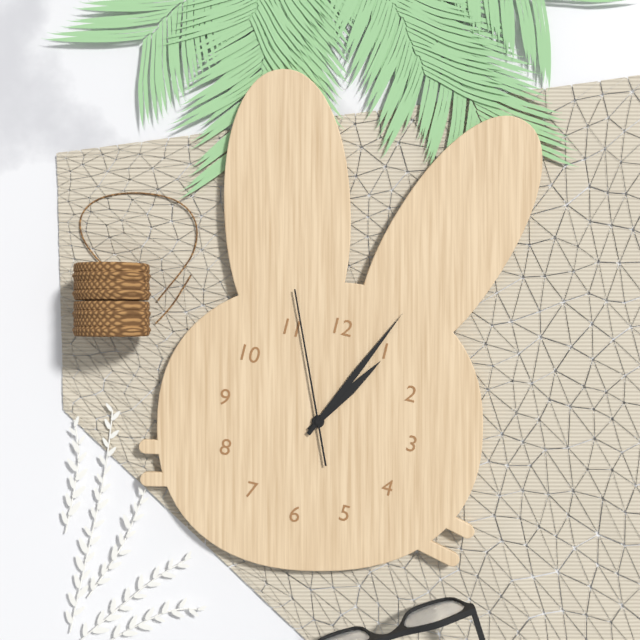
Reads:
{"hour": 1, "minute": 4, "second": 56}
